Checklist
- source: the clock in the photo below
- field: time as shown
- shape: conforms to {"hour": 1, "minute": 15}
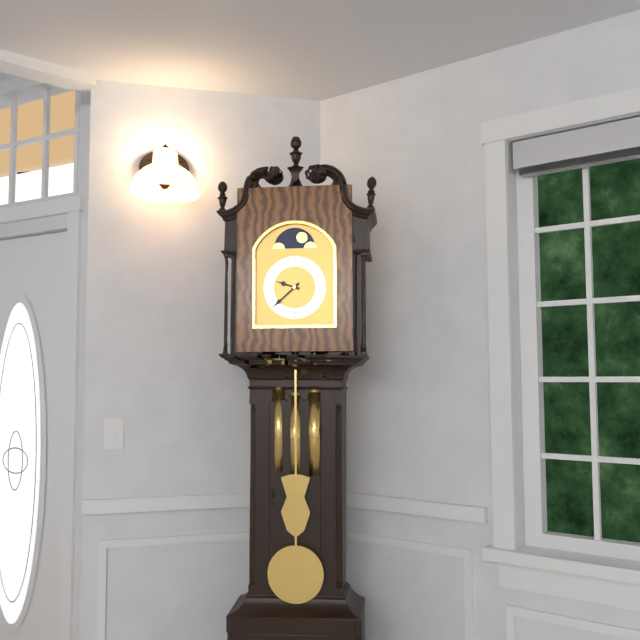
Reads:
{"hour": 9, "minute": 38}
